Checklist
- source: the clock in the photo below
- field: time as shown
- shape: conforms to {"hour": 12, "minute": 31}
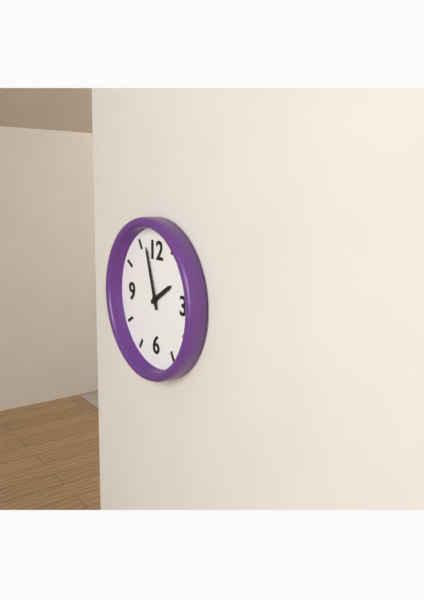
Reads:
{"hour": 1, "minute": 57}
